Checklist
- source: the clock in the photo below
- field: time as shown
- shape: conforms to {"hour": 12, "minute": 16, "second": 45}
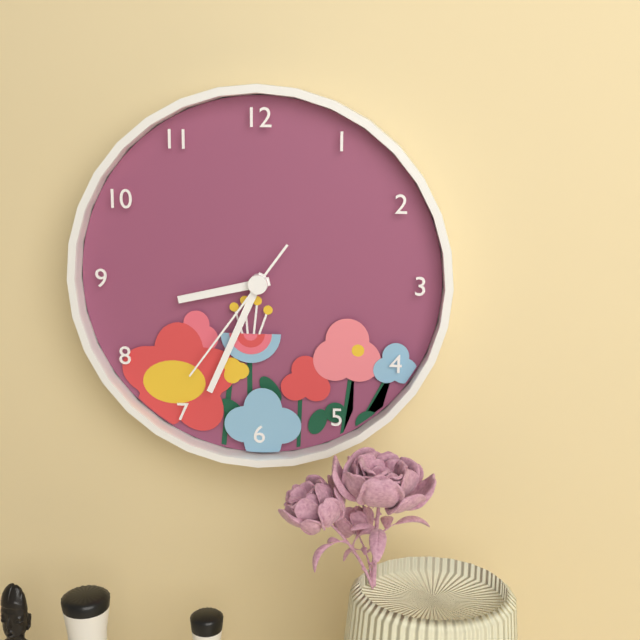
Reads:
{"hour": 8, "minute": 34, "second": 36}
